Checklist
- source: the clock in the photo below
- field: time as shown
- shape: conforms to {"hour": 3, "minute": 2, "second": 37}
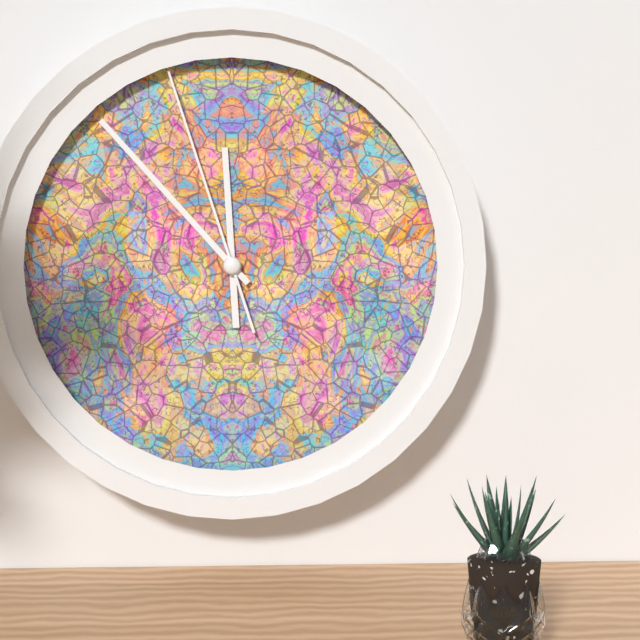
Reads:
{"hour": 11, "minute": 53, "second": 57}
